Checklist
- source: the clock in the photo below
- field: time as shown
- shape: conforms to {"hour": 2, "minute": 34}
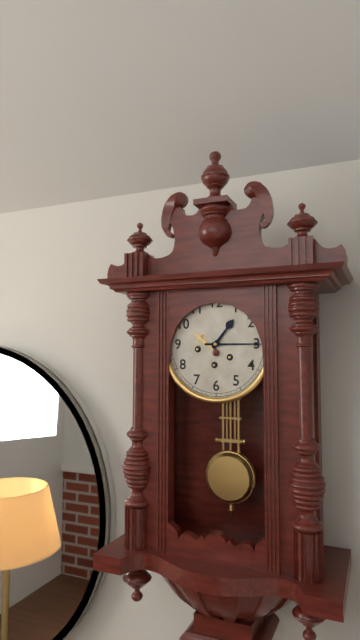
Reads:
{"hour": 1, "minute": 15}
